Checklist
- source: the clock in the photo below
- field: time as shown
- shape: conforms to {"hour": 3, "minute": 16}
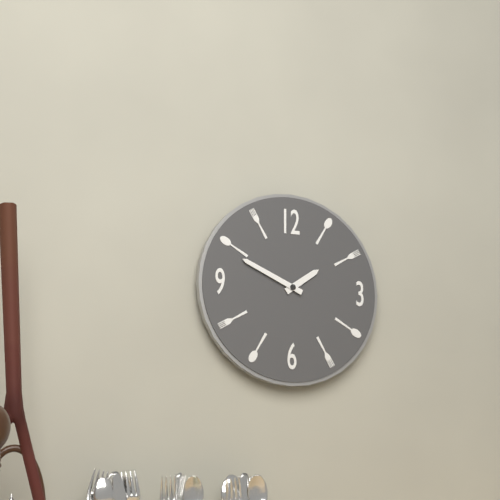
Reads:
{"hour": 1, "minute": 49}
